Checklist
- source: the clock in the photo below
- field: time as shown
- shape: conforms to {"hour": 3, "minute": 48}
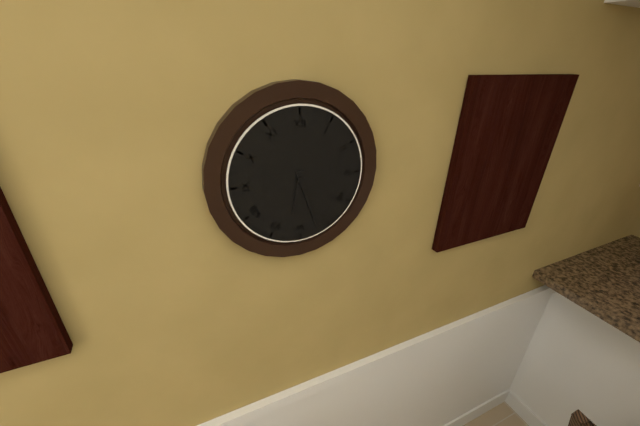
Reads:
{"hour": 6, "minute": 27}
